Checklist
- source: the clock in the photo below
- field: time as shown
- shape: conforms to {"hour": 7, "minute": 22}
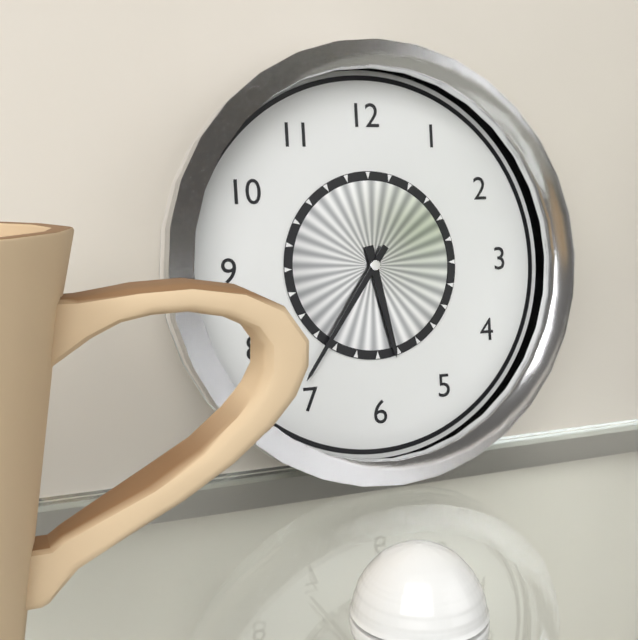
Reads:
{"hour": 5, "minute": 36}
